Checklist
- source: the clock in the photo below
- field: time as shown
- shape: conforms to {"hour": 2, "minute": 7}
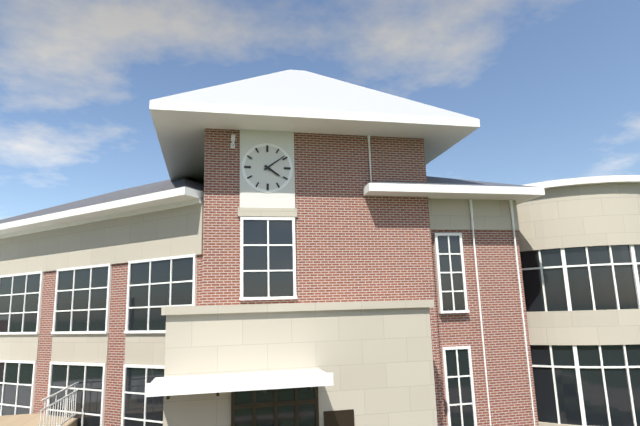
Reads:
{"hour": 4, "minute": 9}
